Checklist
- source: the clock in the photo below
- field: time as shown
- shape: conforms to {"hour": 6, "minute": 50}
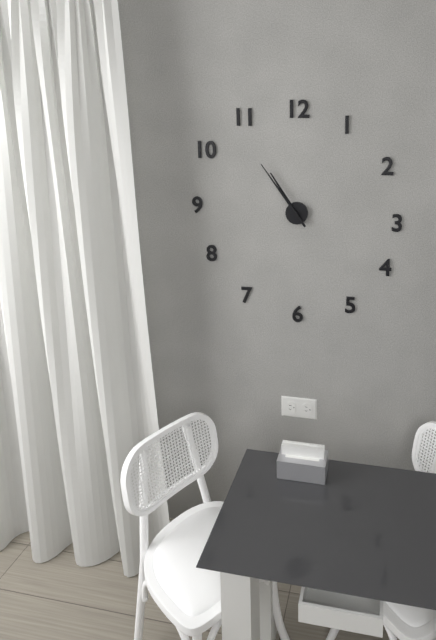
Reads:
{"hour": 10, "minute": 54}
